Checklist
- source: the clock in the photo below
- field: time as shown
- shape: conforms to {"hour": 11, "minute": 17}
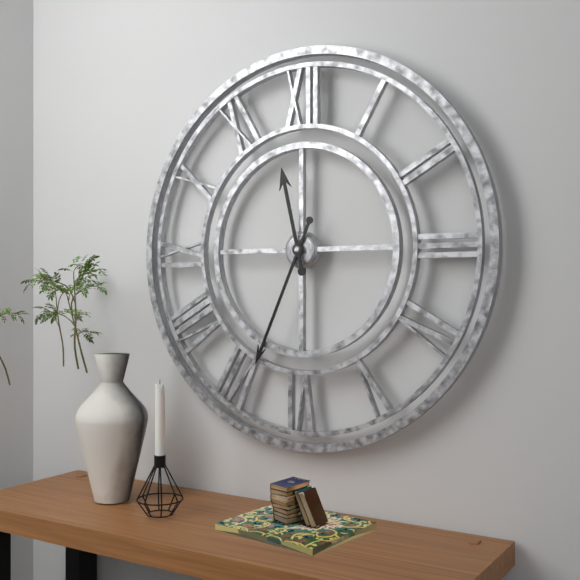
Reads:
{"hour": 11, "minute": 34}
